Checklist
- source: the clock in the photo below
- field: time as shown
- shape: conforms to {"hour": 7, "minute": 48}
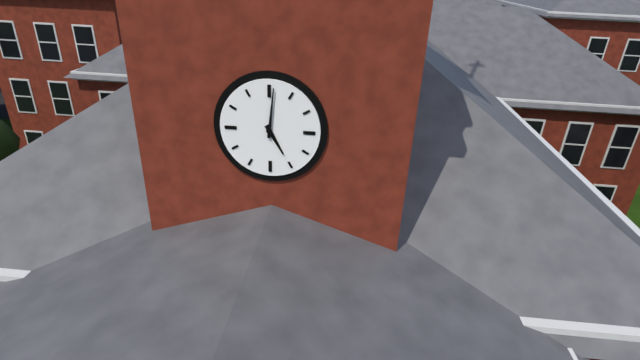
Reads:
{"hour": 5, "minute": 1}
